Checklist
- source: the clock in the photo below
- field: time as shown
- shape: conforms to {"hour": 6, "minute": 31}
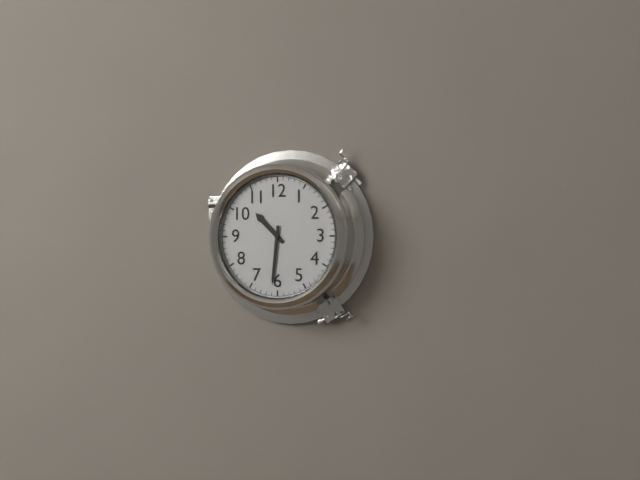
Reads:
{"hour": 10, "minute": 31}
